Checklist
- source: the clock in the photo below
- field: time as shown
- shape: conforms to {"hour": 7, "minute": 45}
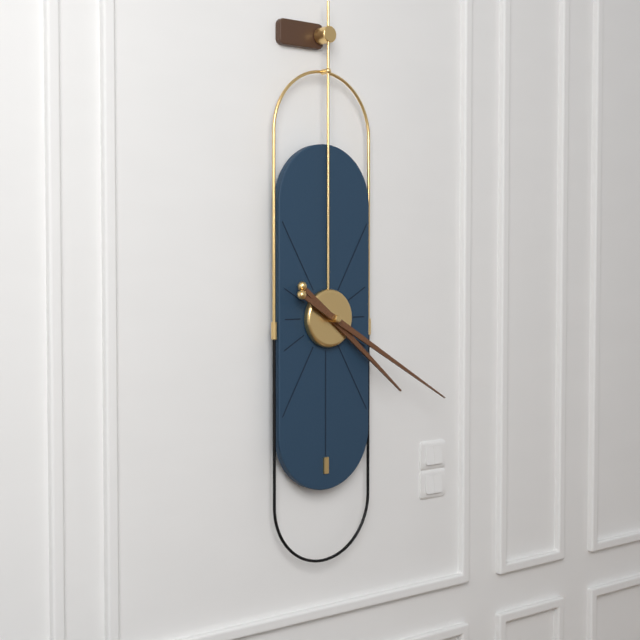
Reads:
{"hour": 4, "minute": 20}
